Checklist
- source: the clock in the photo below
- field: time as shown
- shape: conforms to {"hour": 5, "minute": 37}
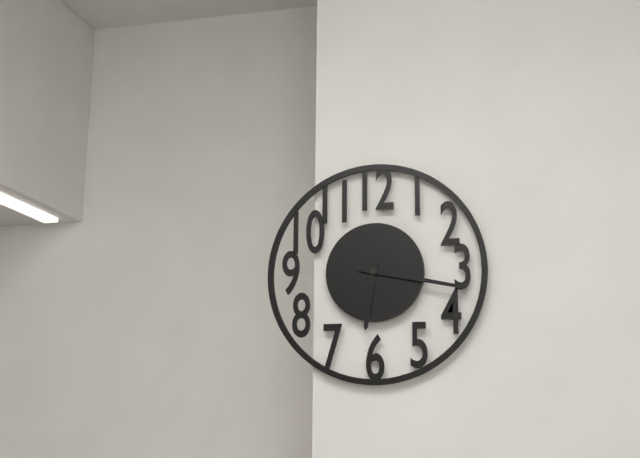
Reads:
{"hour": 6, "minute": 17}
